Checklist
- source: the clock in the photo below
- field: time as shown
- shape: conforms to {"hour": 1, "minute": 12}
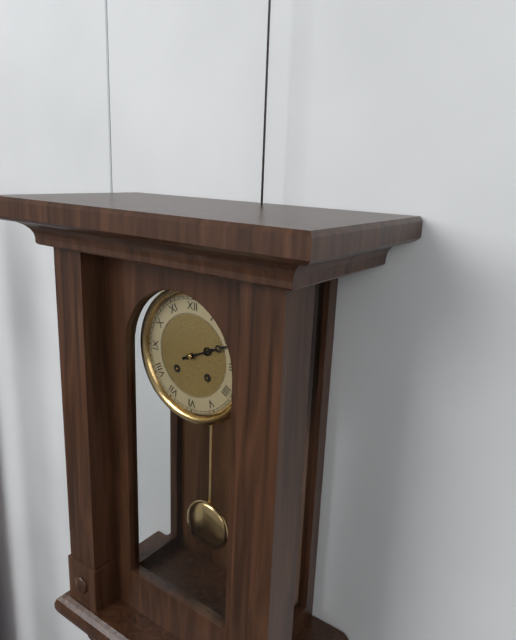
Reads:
{"hour": 2, "minute": 11}
